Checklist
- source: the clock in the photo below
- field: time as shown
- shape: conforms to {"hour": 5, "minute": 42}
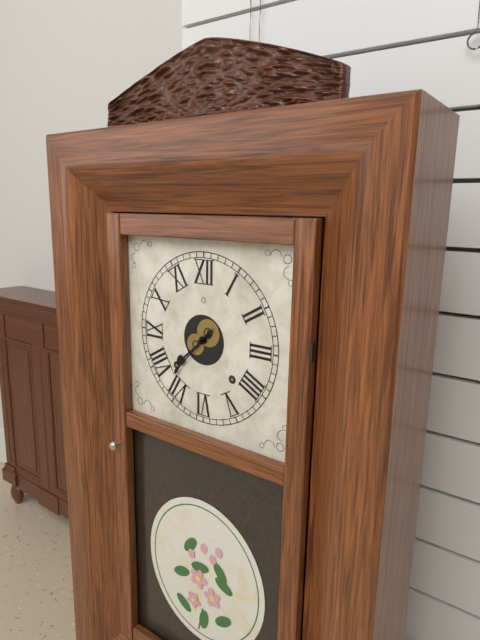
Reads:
{"hour": 7, "minute": 37}
